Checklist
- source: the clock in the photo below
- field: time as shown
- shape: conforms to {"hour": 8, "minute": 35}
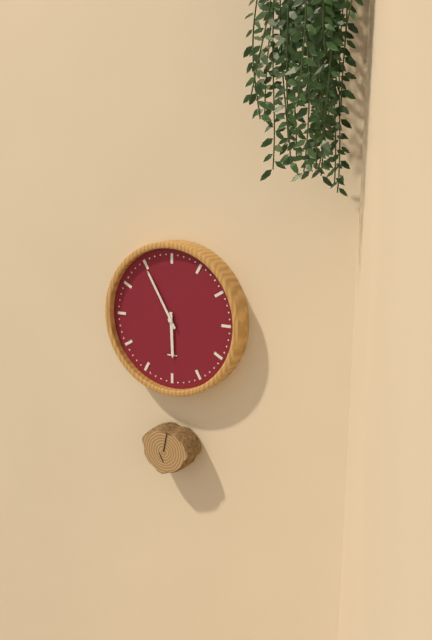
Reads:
{"hour": 5, "minute": 55}
